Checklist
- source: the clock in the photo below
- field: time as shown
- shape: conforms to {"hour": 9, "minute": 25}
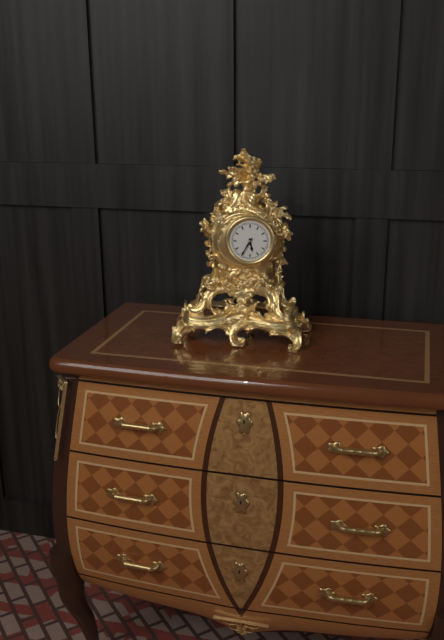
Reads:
{"hour": 5, "minute": 35}
